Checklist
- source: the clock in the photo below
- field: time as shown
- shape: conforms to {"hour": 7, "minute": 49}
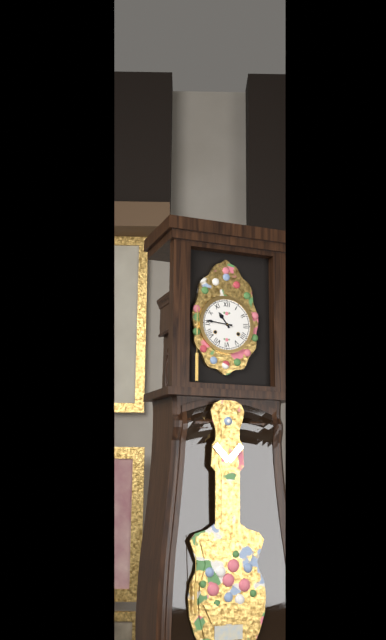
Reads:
{"hour": 10, "minute": 46}
